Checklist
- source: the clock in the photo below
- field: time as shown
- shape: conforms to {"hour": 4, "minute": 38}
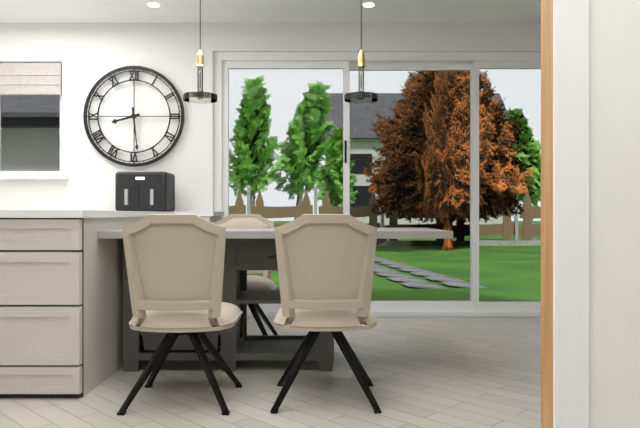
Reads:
{"hour": 8, "minute": 29}
